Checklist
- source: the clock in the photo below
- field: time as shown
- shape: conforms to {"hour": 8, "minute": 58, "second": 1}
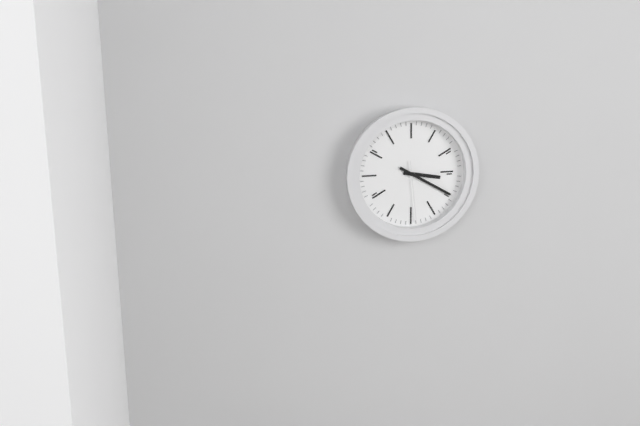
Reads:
{"hour": 3, "minute": 20, "second": 29}
